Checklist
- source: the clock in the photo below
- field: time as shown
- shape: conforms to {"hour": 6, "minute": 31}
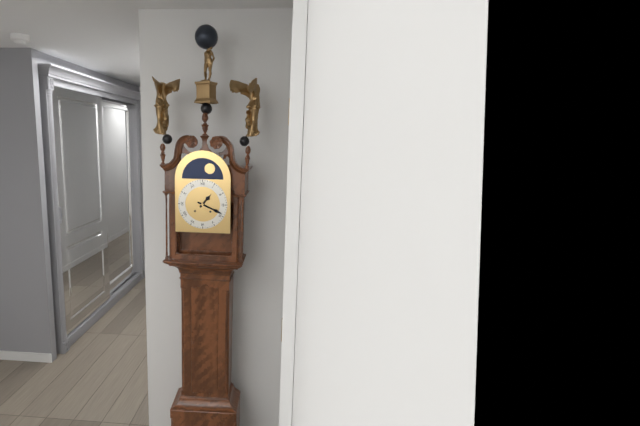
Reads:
{"hour": 1, "minute": 19}
